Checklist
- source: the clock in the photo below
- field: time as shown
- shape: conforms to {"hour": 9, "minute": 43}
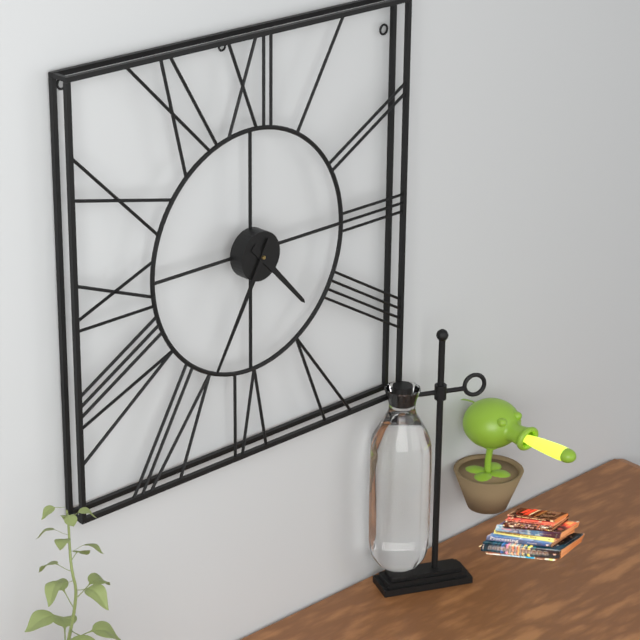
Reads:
{"hour": 4, "minute": 35}
